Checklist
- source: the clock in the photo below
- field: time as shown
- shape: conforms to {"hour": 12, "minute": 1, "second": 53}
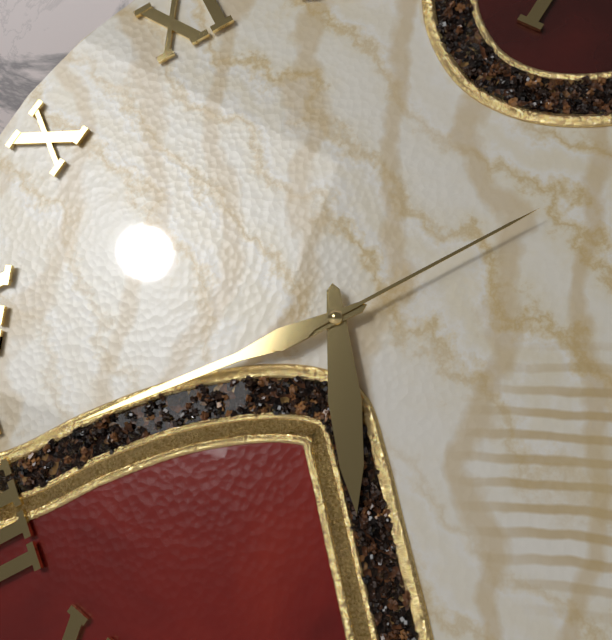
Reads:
{"hour": 5, "minute": 41, "second": 10}
